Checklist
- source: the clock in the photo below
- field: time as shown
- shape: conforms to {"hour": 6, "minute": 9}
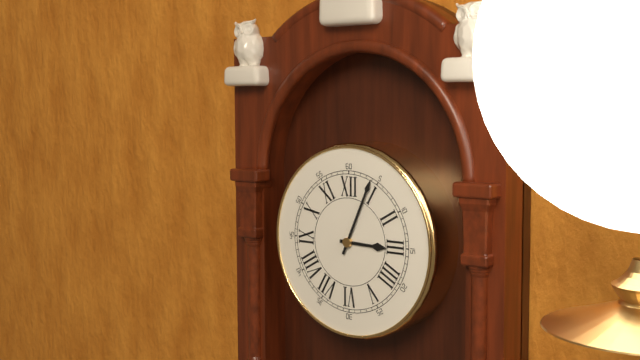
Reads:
{"hour": 3, "minute": 4}
